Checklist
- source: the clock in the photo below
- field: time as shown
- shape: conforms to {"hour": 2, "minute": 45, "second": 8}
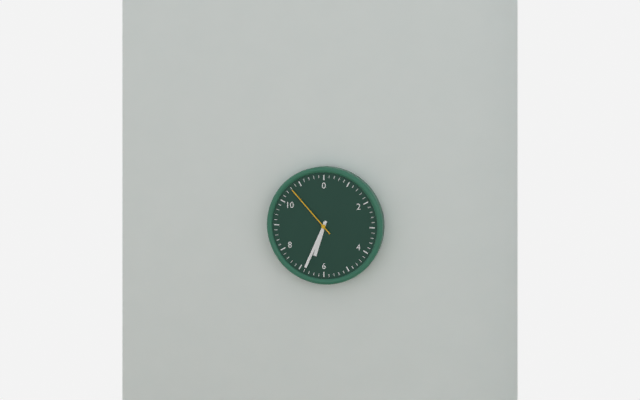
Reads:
{"hour": 6, "minute": 34, "second": 53}
